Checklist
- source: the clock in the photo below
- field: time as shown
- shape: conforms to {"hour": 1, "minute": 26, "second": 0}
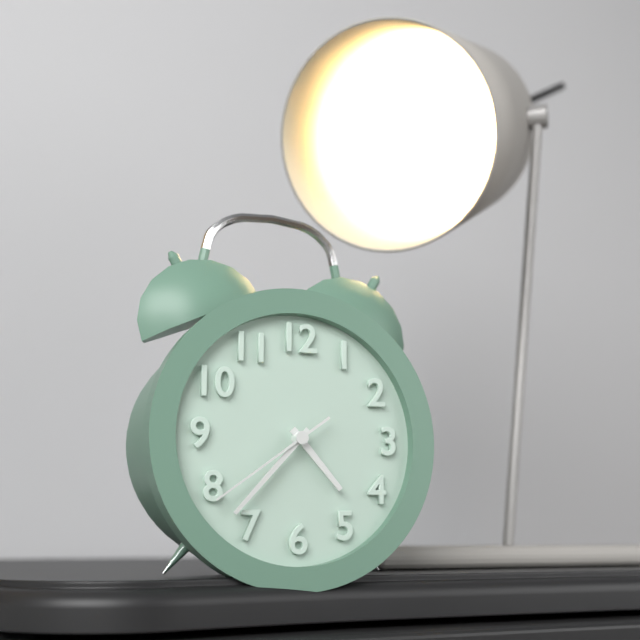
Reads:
{"hour": 4, "minute": 37, "second": 39}
